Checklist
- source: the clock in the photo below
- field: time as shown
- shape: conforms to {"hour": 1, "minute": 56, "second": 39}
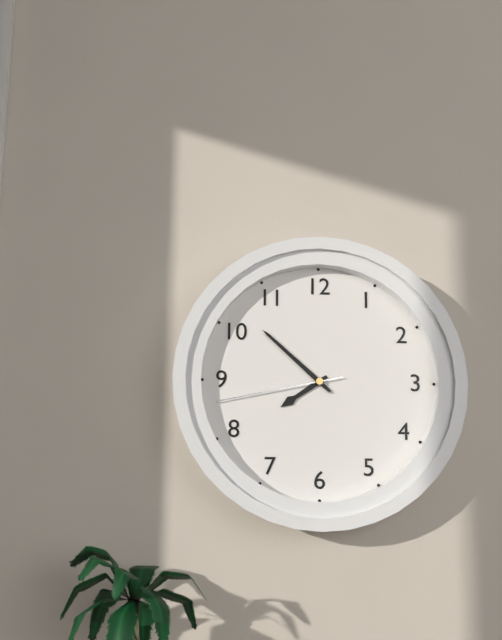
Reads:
{"hour": 7, "minute": 52, "second": 43}
